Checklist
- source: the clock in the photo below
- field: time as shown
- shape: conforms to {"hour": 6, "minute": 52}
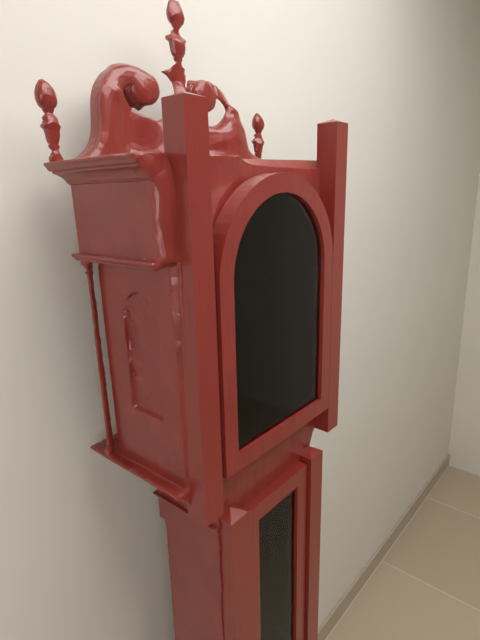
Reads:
{"hour": 8, "minute": 4}
